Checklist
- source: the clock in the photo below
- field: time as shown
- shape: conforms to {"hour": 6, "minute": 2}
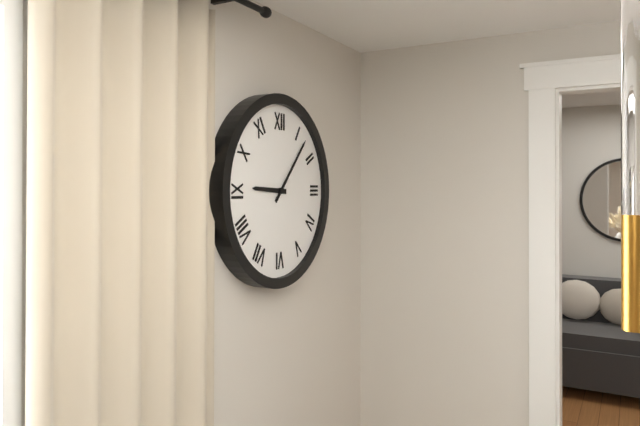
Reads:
{"hour": 9, "minute": 7}
